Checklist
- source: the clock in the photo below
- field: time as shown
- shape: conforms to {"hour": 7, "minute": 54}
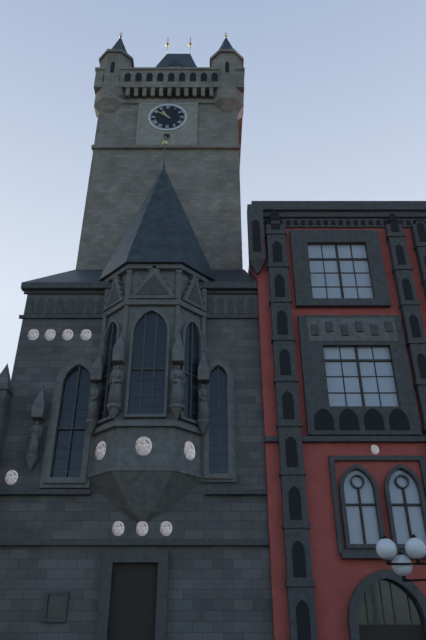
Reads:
{"hour": 10, "minute": 51}
